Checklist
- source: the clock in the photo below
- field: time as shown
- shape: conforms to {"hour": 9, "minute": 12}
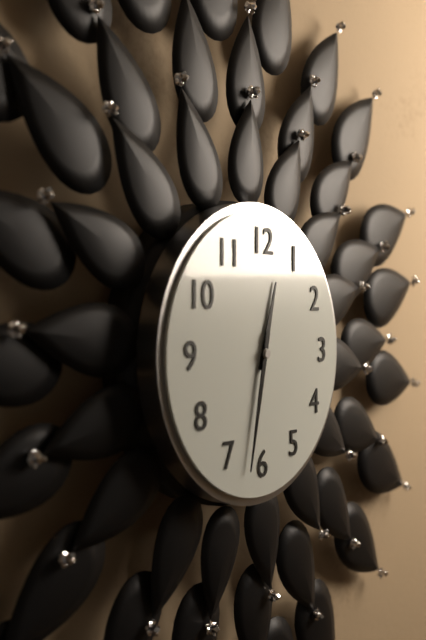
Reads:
{"hour": 12, "minute": 32}
